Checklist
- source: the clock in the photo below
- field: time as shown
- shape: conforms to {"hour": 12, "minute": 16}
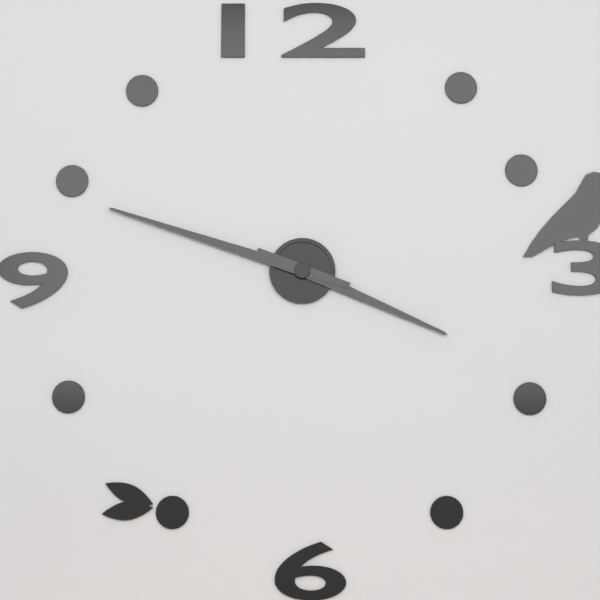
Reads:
{"hour": 3, "minute": 48}
